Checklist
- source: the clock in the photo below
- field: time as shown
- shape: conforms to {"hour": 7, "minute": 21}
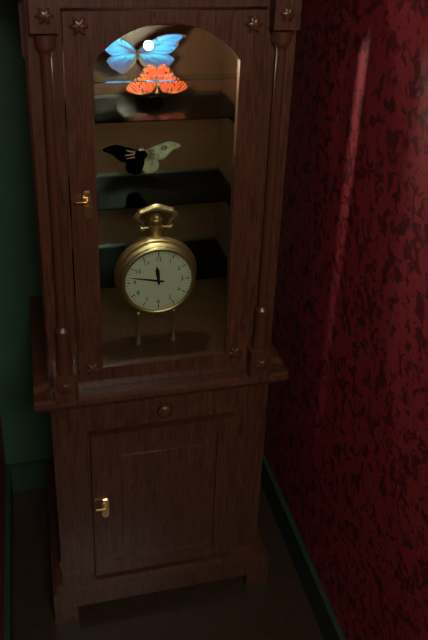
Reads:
{"hour": 11, "minute": 47}
